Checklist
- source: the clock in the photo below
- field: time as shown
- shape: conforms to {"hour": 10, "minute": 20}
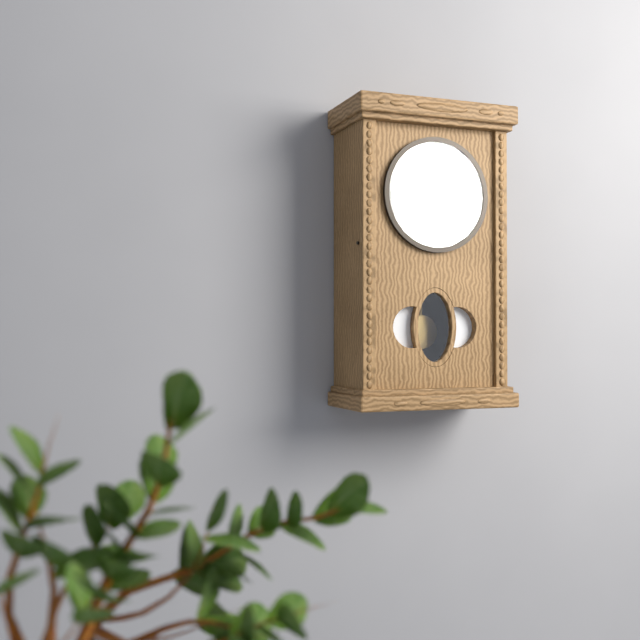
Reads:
{"hour": 7, "minute": 46}
